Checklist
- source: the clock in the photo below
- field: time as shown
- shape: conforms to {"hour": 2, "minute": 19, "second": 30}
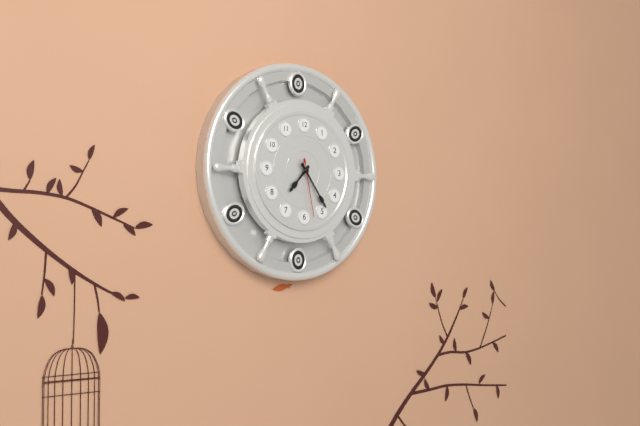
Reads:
{"hour": 7, "minute": 24, "second": 28}
